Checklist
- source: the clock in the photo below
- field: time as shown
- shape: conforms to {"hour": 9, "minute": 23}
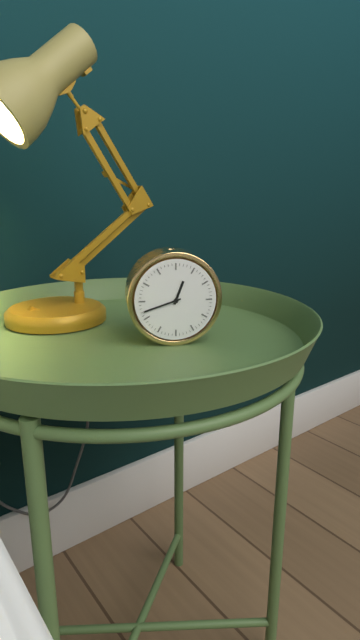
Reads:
{"hour": 12, "minute": 42}
